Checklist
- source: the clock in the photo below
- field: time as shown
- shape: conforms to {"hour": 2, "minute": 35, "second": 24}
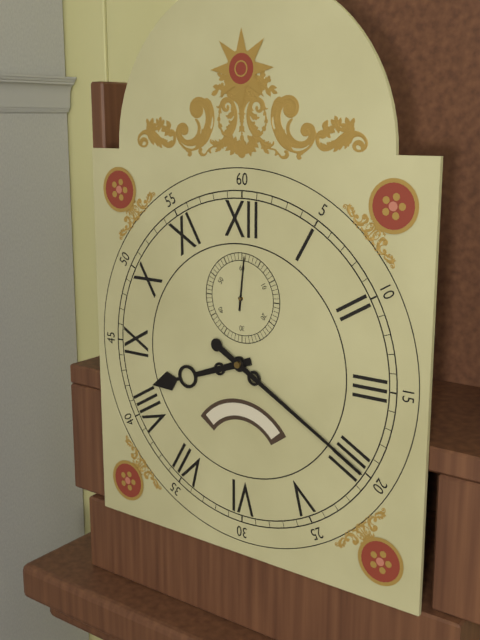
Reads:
{"hour": 8, "minute": 20, "second": 1}
